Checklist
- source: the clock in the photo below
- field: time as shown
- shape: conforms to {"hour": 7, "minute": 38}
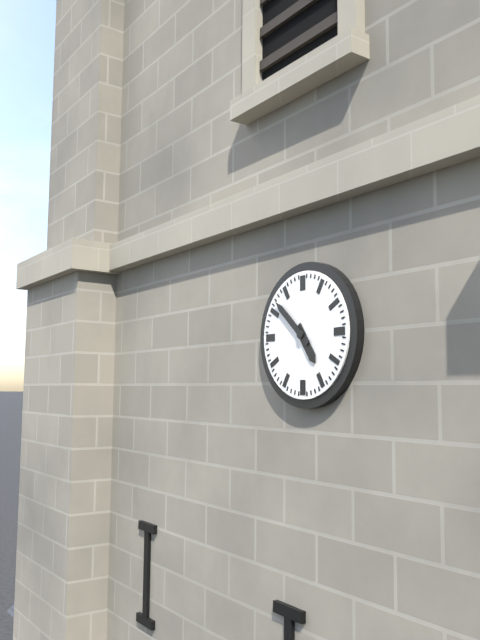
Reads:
{"hour": 4, "minute": 52}
